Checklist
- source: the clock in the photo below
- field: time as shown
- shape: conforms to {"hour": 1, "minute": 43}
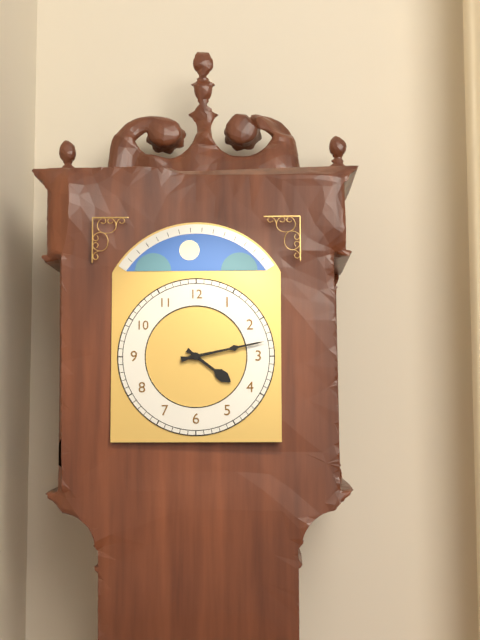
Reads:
{"hour": 4, "minute": 13}
